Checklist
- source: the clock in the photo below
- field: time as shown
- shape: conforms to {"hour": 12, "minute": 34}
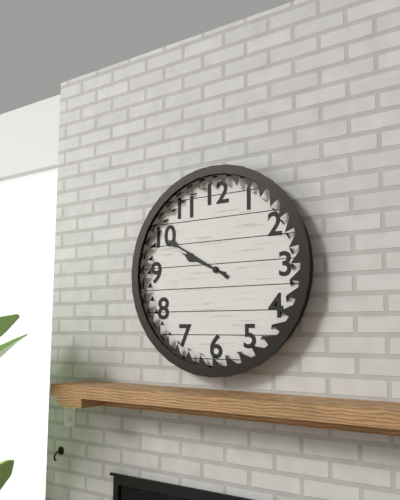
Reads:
{"hour": 9, "minute": 50}
